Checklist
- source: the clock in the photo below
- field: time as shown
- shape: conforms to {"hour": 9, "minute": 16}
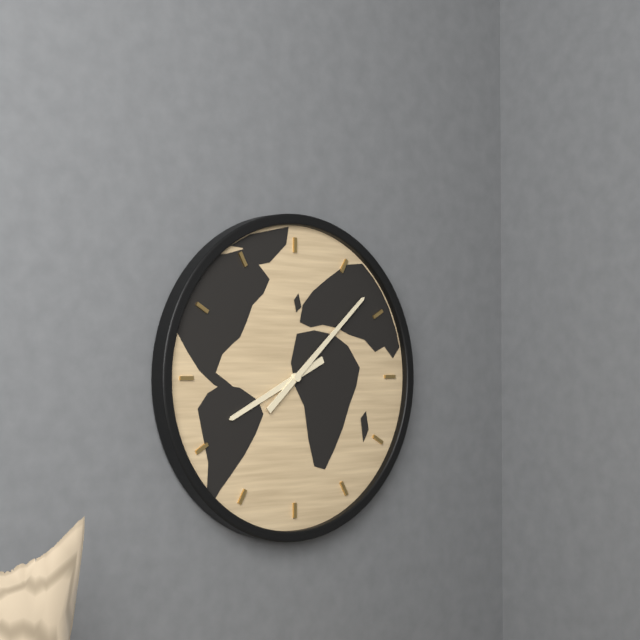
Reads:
{"hour": 8, "minute": 8}
